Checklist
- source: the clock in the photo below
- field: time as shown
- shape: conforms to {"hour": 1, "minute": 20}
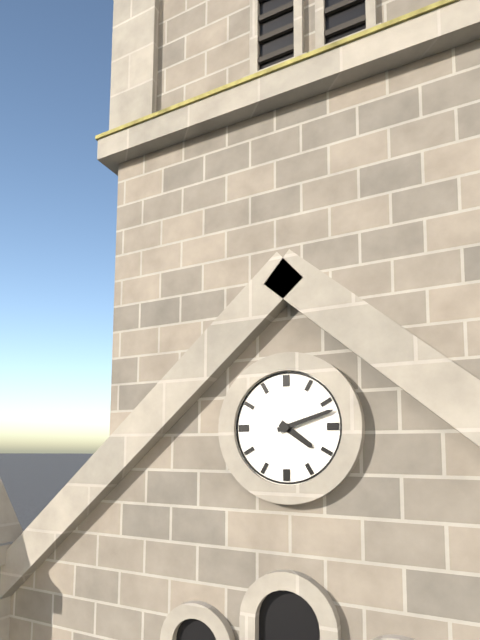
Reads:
{"hour": 4, "minute": 12}
